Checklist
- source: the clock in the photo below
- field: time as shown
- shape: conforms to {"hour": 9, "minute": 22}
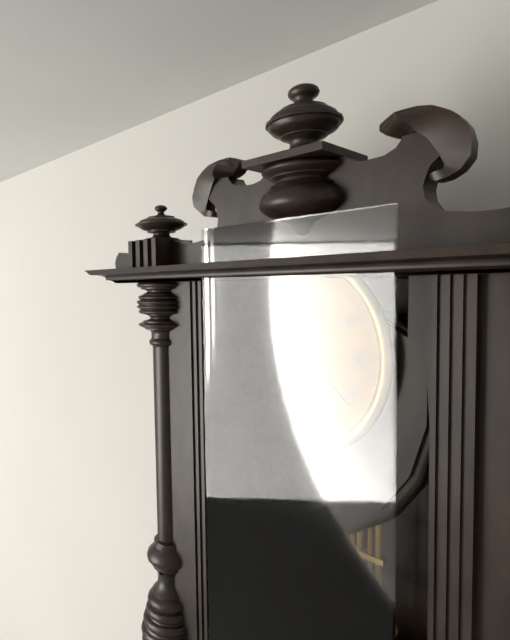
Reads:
{"hour": 11, "minute": 21}
